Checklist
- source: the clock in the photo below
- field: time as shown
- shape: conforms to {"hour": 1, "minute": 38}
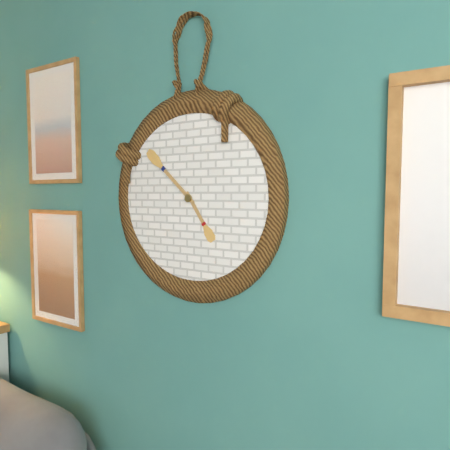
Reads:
{"hour": 4, "minute": 52}
